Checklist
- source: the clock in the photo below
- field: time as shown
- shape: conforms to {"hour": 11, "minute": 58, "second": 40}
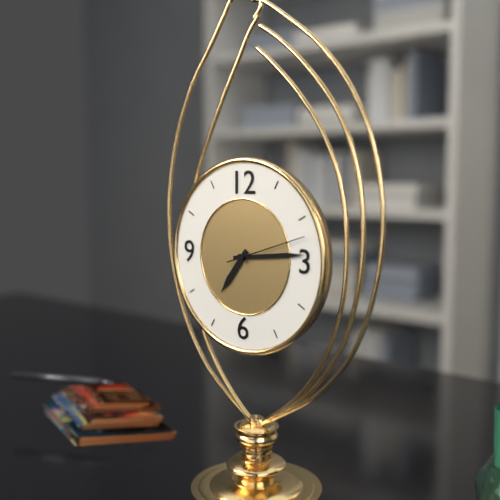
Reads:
{"hour": 7, "minute": 14, "second": 12}
